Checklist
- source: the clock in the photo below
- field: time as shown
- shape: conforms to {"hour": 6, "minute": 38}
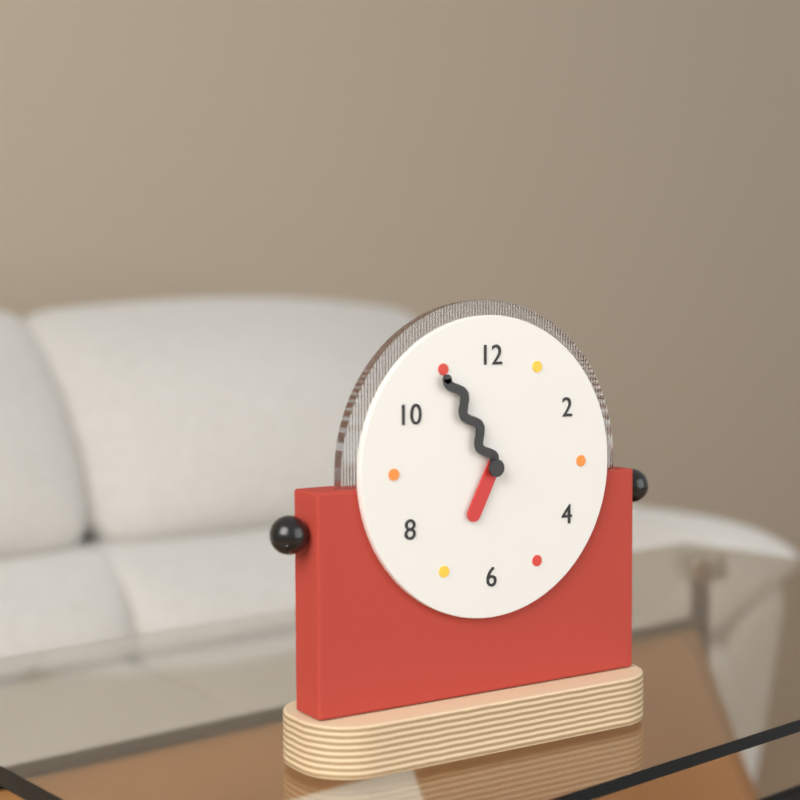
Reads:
{"hour": 6, "minute": 55}
